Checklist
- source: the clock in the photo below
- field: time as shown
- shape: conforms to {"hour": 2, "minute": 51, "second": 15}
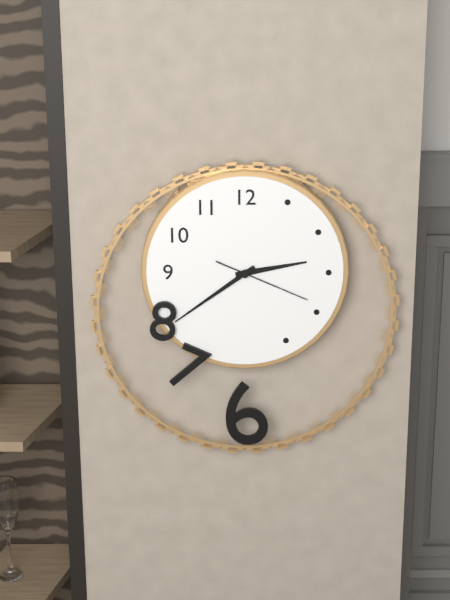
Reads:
{"hour": 2, "minute": 39, "second": 19}
